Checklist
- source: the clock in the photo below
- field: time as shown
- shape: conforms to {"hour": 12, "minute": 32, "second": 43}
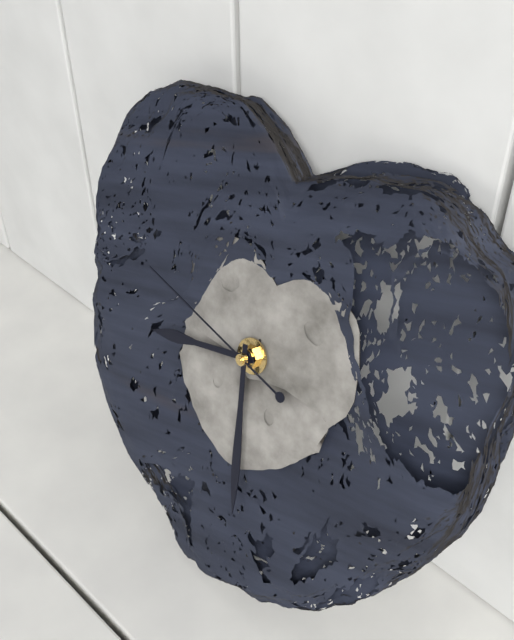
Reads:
{"hour": 8, "minute": 28, "second": 47}
